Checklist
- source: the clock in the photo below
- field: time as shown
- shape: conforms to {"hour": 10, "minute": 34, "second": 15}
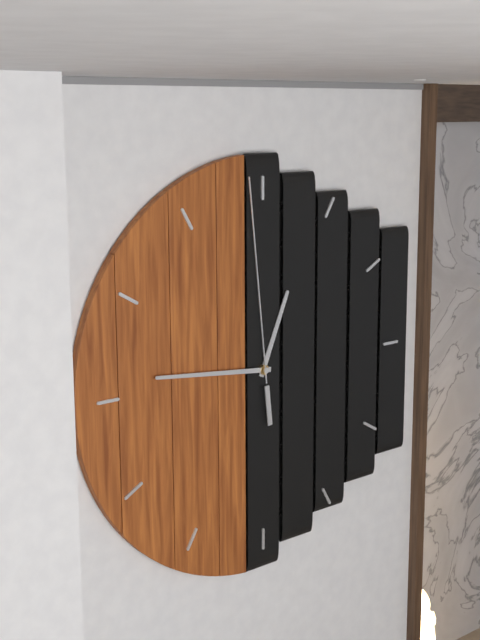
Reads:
{"hour": 12, "minute": 46, "second": 59}
